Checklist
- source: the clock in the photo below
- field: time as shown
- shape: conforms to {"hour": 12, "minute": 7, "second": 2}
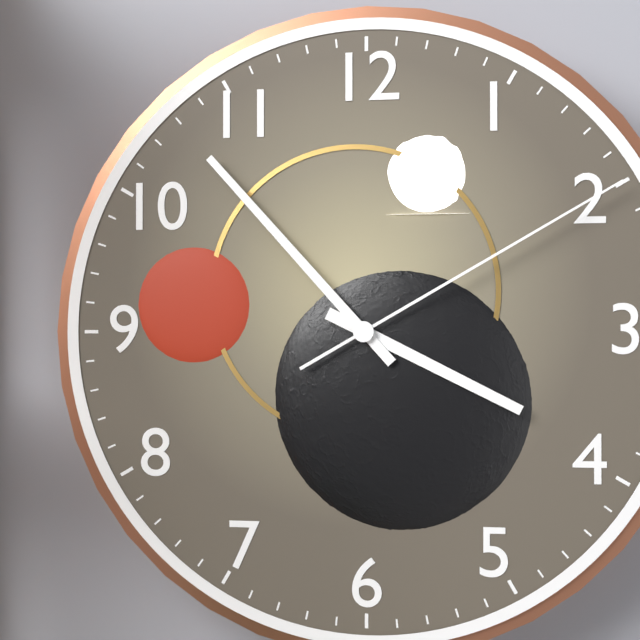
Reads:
{"hour": 3, "minute": 53, "second": 10}
